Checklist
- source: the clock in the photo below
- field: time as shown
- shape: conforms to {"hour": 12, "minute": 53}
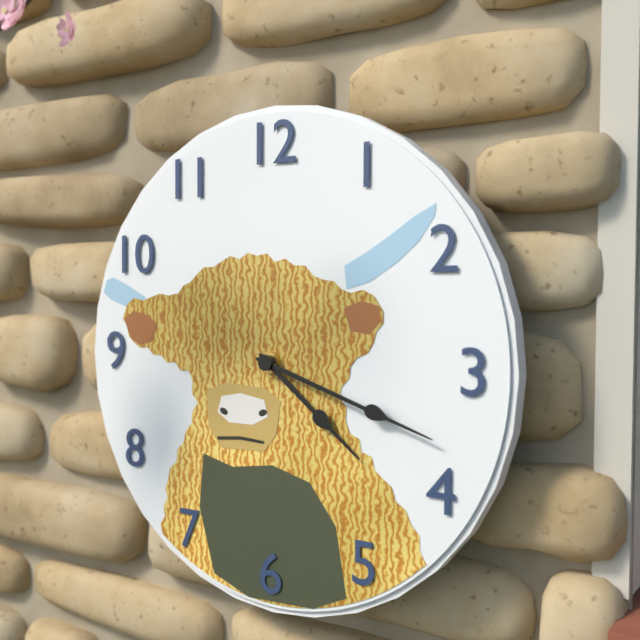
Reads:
{"hour": 4, "minute": 18}
